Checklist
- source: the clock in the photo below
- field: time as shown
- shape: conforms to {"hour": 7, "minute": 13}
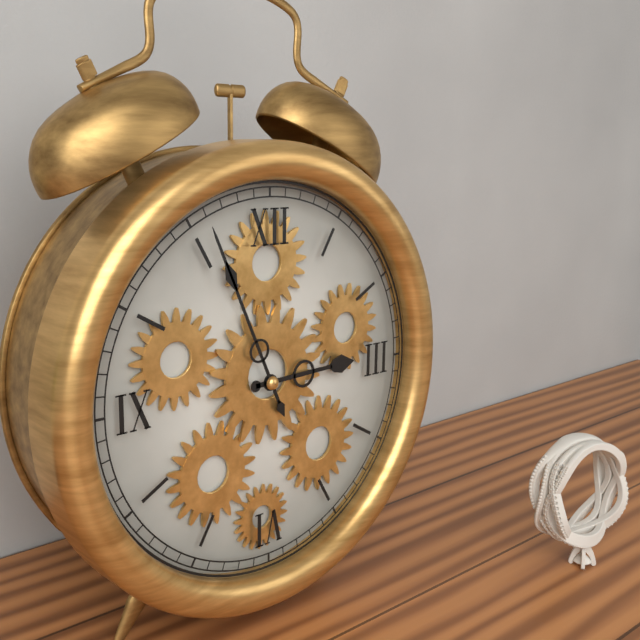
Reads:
{"hour": 2, "minute": 56}
